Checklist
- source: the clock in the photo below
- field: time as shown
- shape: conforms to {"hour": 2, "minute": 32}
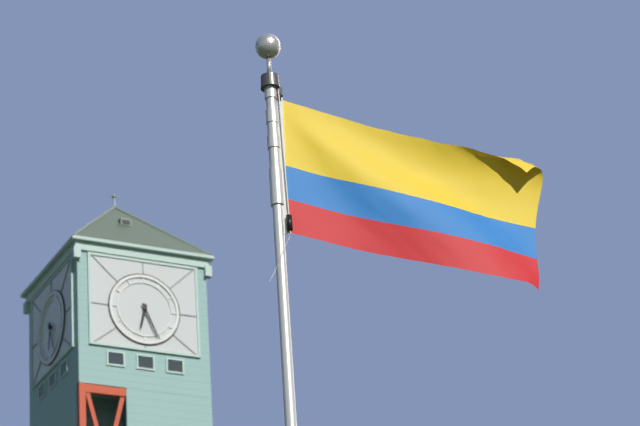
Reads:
{"hour": 6, "minute": 26}
